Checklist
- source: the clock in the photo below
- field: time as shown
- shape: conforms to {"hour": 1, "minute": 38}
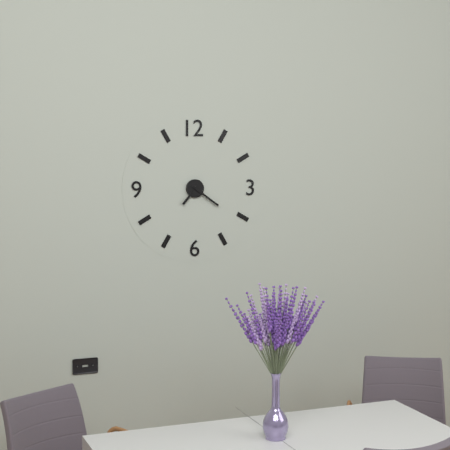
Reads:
{"hour": 7, "minute": 21}
